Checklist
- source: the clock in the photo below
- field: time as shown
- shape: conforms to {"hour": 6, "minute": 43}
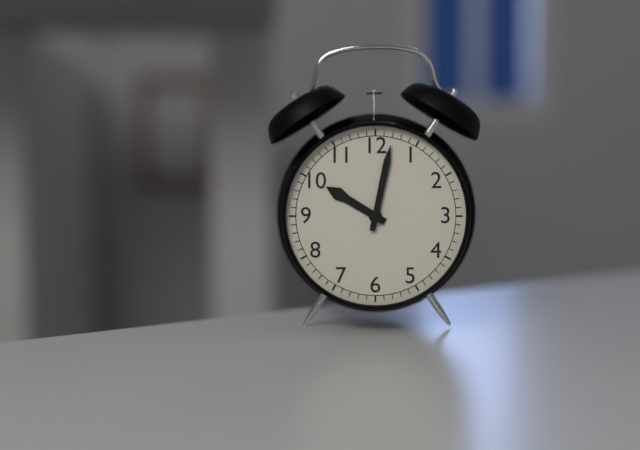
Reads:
{"hour": 10, "minute": 2}
